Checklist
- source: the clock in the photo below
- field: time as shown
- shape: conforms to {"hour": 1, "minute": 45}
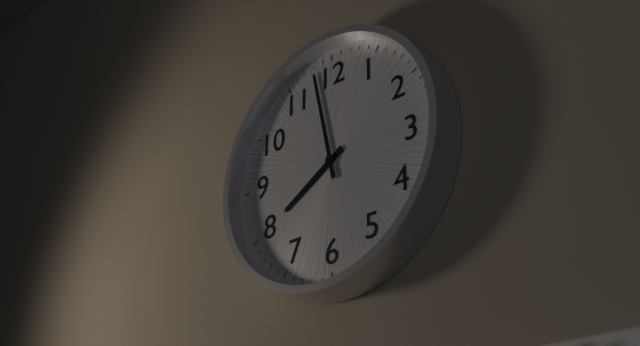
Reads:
{"hour": 7, "minute": 58}
